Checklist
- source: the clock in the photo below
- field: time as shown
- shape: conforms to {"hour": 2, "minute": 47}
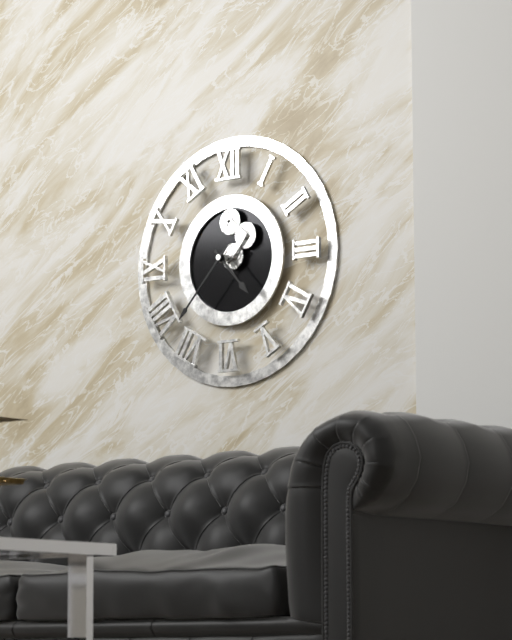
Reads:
{"hour": 4, "minute": 37}
